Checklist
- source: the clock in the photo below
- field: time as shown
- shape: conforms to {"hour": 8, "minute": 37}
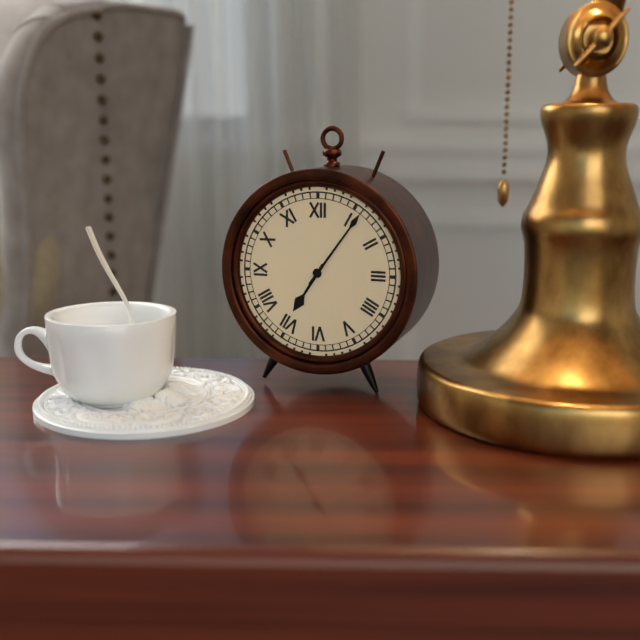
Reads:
{"hour": 7, "minute": 6}
